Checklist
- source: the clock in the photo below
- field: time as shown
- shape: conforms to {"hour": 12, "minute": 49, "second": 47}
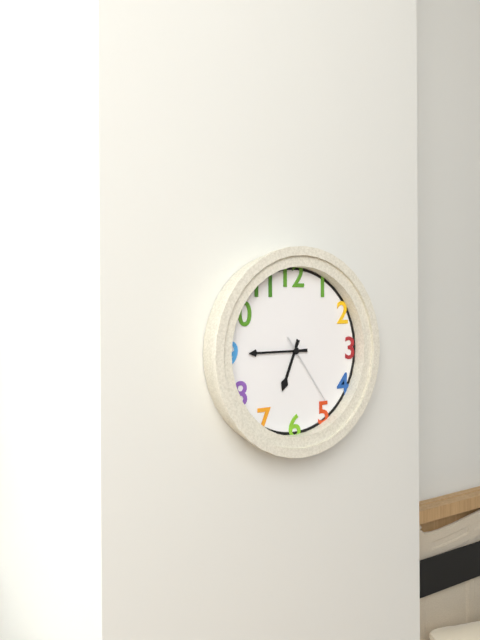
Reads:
{"hour": 6, "minute": 45, "second": 24}
